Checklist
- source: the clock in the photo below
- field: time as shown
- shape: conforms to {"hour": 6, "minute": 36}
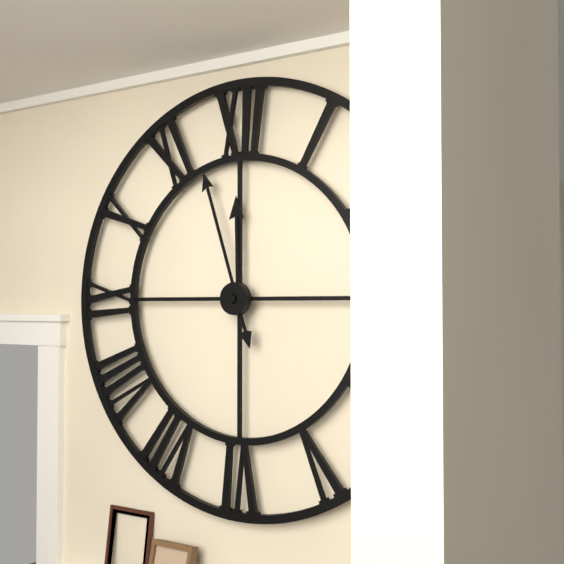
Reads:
{"hour": 11, "minute": 57}
